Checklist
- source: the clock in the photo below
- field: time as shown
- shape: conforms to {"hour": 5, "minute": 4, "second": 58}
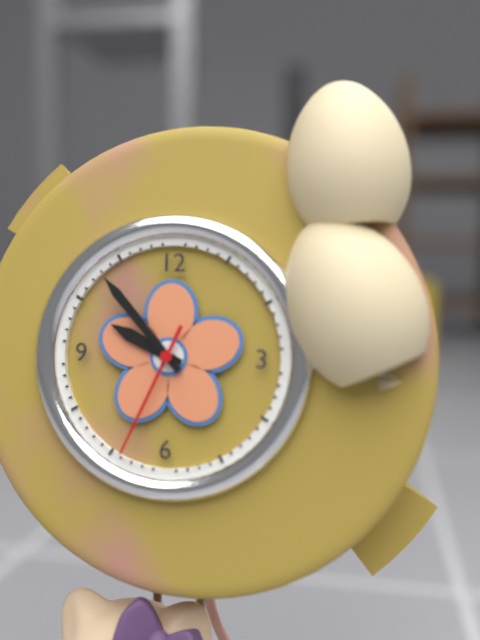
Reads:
{"hour": 9, "minute": 53, "second": 34}
